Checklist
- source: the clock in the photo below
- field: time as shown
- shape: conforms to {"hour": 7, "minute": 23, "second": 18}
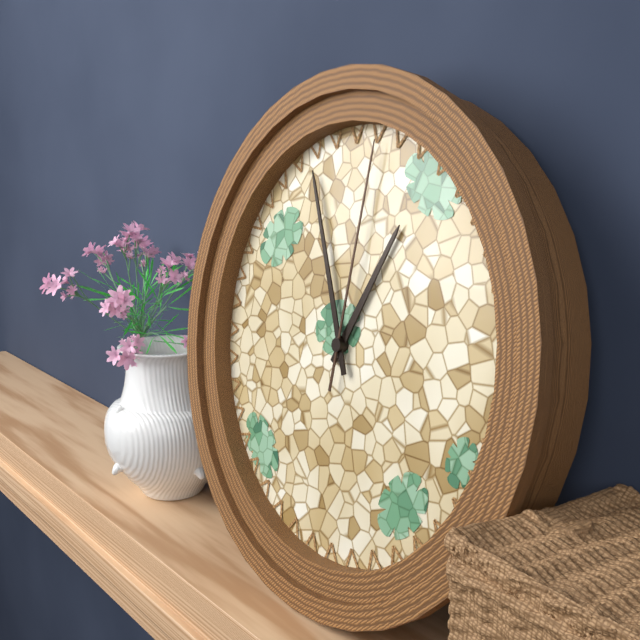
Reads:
{"hour": 12, "minute": 56, "second": 1}
